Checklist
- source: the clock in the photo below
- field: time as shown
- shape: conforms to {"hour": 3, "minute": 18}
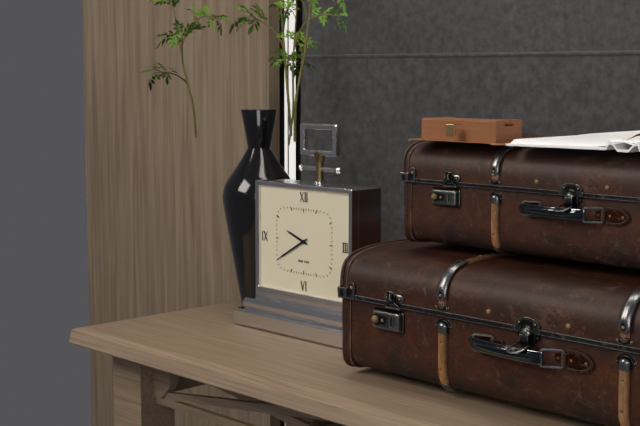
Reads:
{"hour": 9, "minute": 40}
